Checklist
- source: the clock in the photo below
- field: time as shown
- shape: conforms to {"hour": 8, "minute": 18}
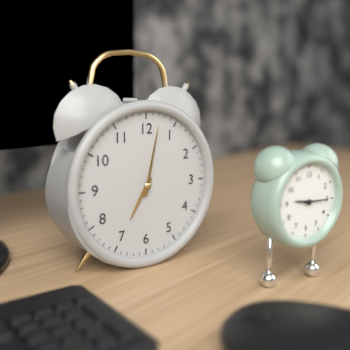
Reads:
{"hour": 7, "minute": 2}
